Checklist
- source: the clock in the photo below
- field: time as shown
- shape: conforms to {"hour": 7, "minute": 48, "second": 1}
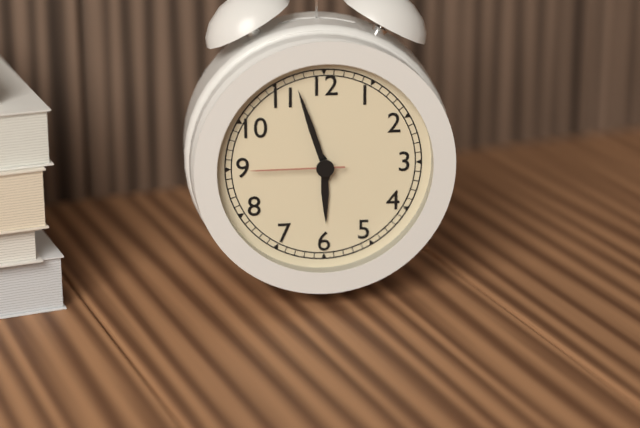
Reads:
{"hour": 5, "minute": 57, "second": 45}
